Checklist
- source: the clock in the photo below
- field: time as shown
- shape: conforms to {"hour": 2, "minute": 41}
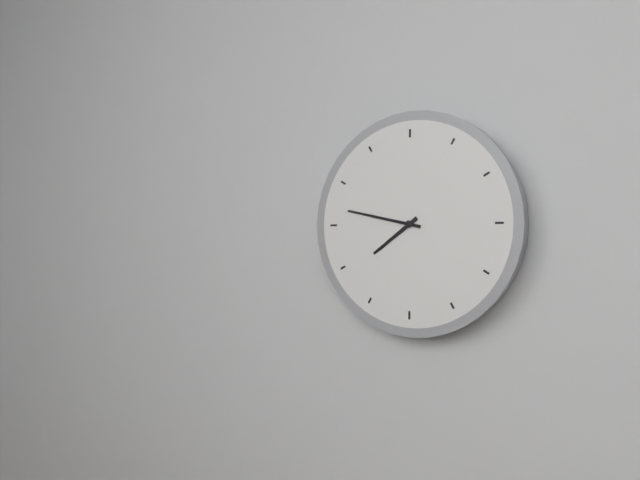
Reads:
{"hour": 7, "minute": 47}
